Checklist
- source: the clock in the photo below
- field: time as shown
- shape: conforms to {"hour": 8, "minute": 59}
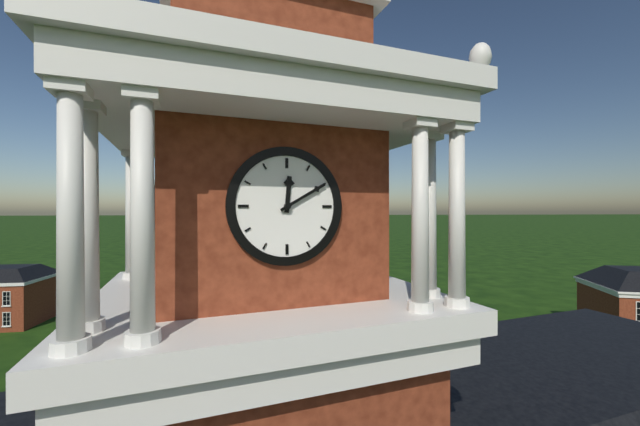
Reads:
{"hour": 12, "minute": 10}
